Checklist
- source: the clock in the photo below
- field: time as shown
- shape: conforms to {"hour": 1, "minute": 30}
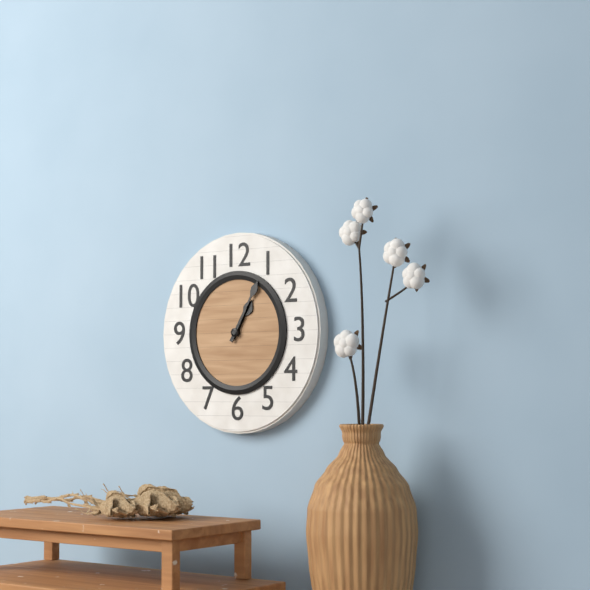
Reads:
{"hour": 1, "minute": 5}
